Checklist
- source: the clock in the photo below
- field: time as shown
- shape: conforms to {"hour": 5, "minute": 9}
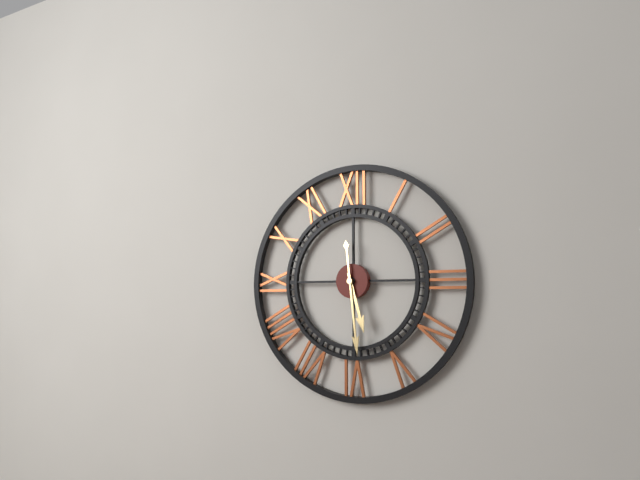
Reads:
{"hour": 5, "minute": 29}
